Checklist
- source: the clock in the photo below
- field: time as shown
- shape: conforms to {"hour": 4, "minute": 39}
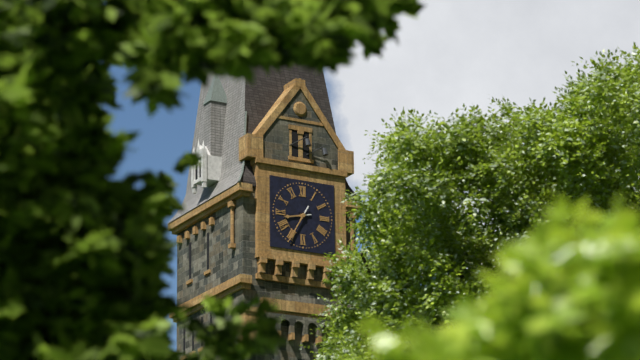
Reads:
{"hour": 8, "minute": 35}
